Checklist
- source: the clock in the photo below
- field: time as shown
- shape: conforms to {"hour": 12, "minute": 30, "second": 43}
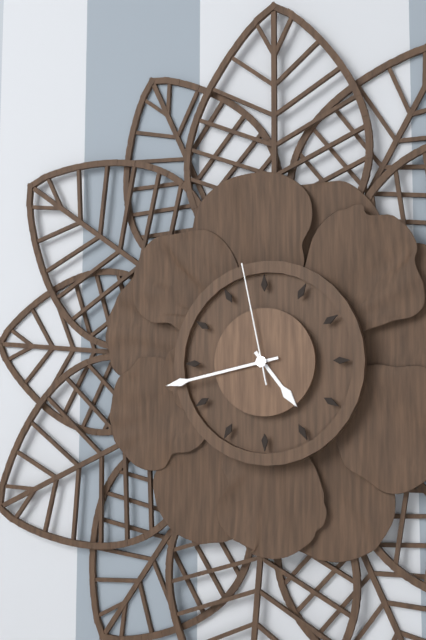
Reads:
{"hour": 4, "minute": 43, "second": 58}
